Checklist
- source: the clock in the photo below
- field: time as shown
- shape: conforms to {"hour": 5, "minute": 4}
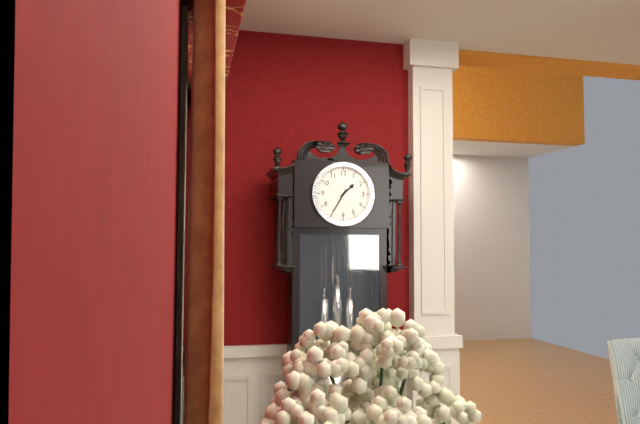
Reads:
{"hour": 1, "minute": 35}
